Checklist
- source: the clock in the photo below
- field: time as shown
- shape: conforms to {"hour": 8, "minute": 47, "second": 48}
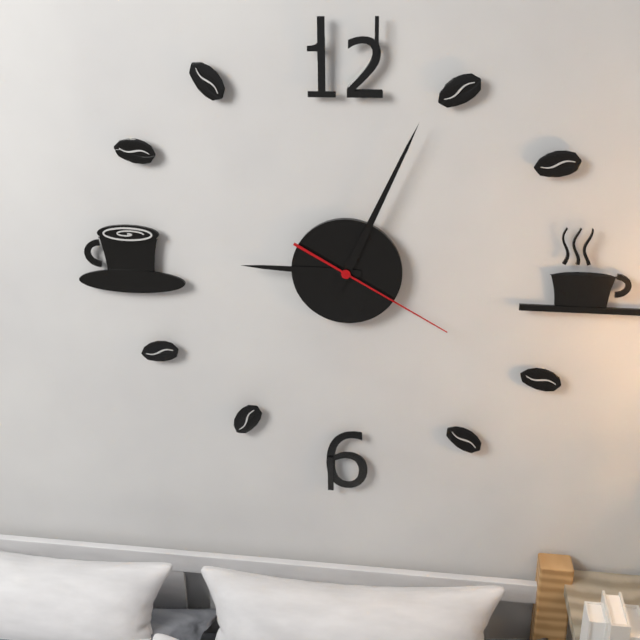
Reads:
{"hour": 9, "minute": 4, "second": 20}
